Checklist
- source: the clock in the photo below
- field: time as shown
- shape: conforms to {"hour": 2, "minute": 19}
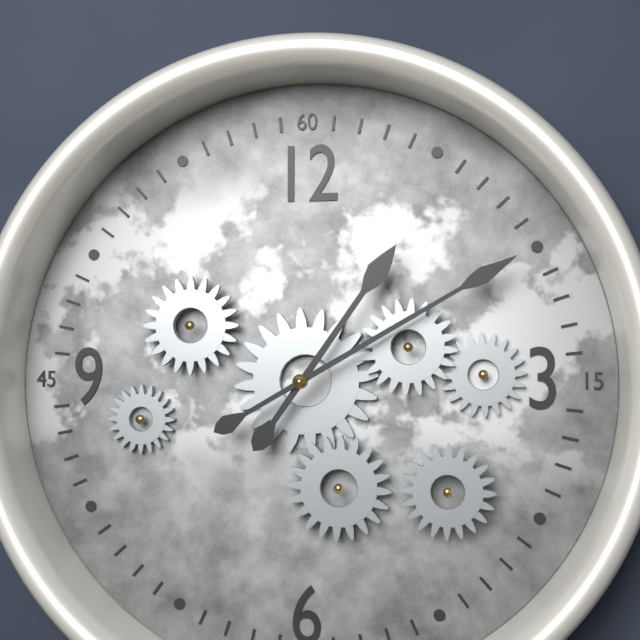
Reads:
{"hour": 1, "minute": 10}
